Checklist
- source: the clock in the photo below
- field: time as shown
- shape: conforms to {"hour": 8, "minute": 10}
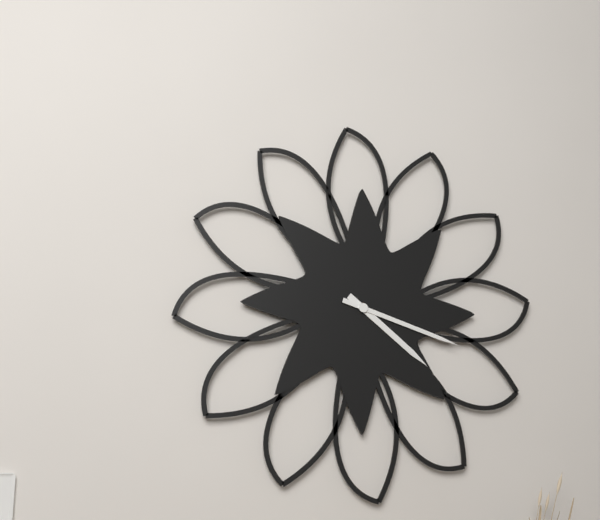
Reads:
{"hour": 4, "minute": 18}
